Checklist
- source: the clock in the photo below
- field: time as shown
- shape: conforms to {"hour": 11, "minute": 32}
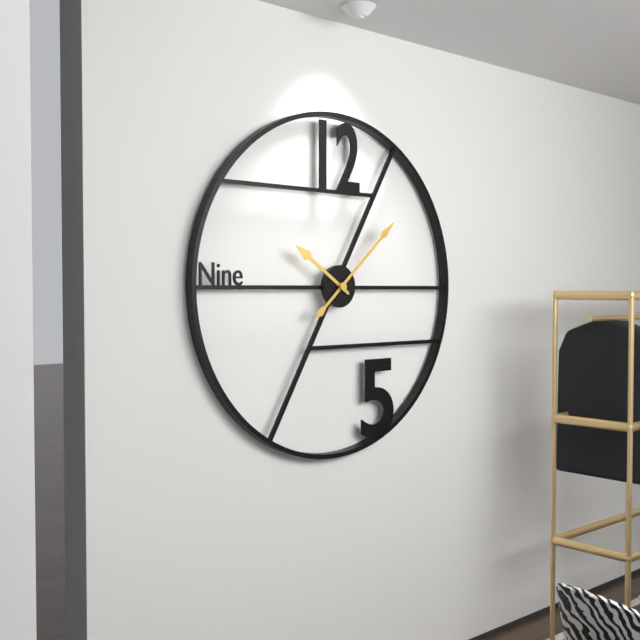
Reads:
{"hour": 10, "minute": 8}
